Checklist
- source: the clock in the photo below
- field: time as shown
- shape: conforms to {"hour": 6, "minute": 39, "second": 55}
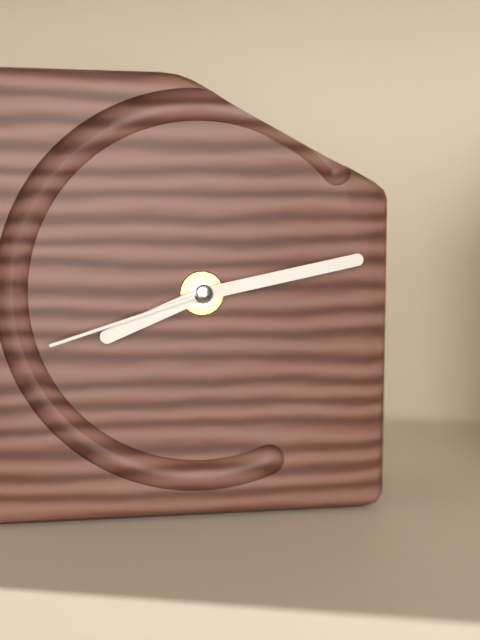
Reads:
{"hour": 8, "minute": 13, "second": 42}
